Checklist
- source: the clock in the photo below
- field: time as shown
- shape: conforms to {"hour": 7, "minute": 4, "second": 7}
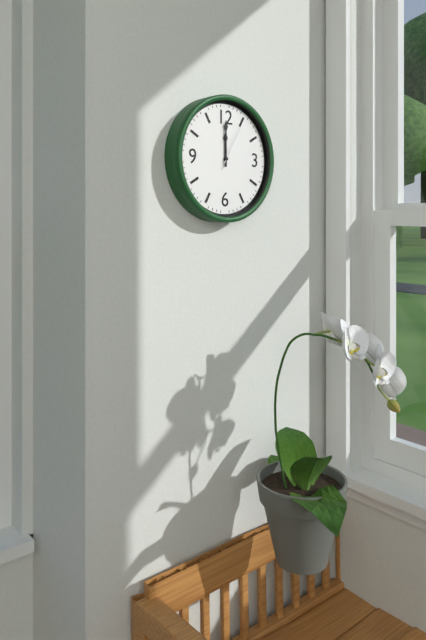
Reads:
{"hour": 12, "minute": 0, "second": 5}
